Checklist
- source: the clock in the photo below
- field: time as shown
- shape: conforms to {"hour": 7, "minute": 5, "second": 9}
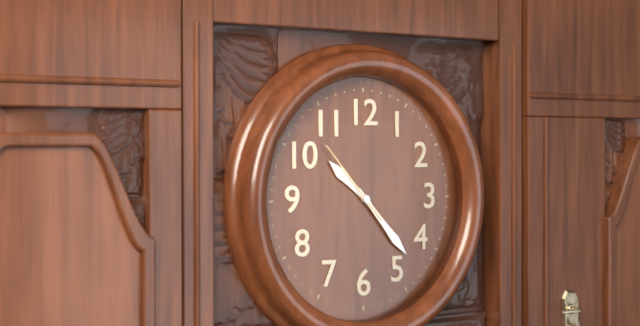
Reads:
{"hour": 10, "minute": 23, "second": 53}
